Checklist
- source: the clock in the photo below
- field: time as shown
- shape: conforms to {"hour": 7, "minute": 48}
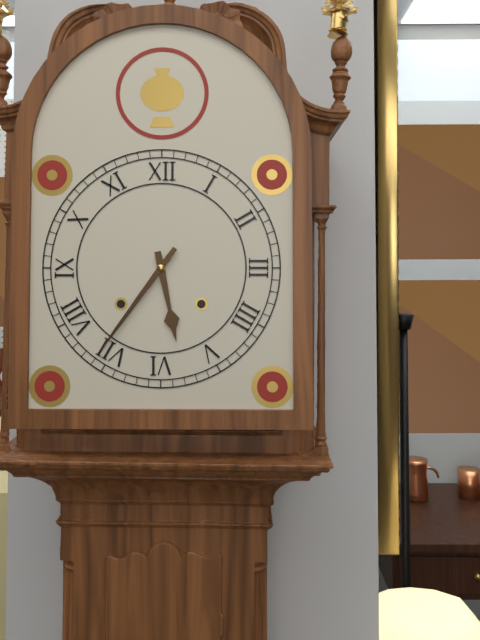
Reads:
{"hour": 5, "minute": 36}
